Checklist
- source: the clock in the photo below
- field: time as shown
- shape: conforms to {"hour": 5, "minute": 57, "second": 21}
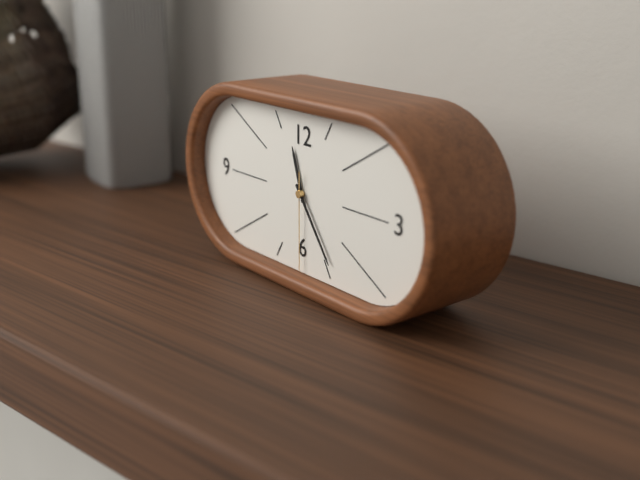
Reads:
{"hour": 11, "minute": 24, "second": 30}
